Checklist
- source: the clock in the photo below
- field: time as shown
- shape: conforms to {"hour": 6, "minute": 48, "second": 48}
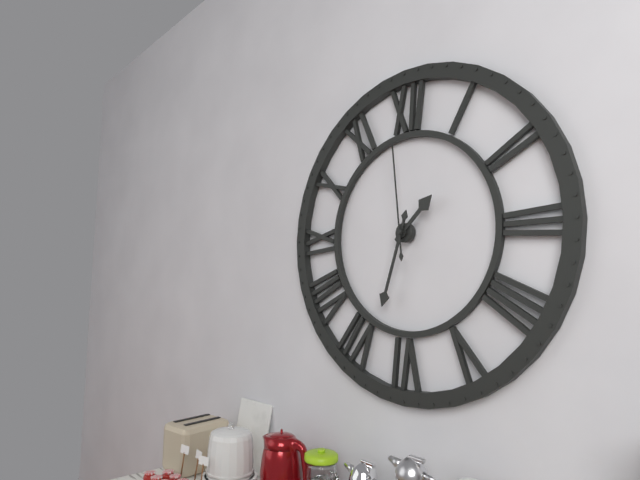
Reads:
{"hour": 1, "minute": 33, "second": 59}
